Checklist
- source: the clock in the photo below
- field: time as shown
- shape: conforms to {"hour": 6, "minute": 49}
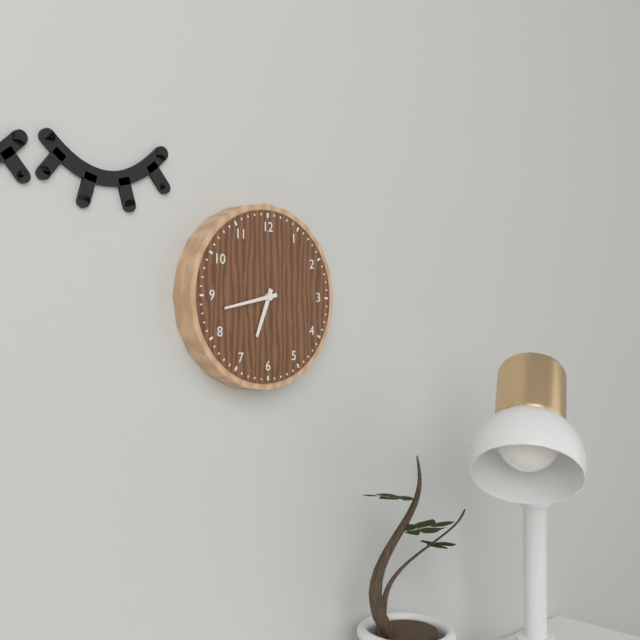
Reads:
{"hour": 6, "minute": 43}
